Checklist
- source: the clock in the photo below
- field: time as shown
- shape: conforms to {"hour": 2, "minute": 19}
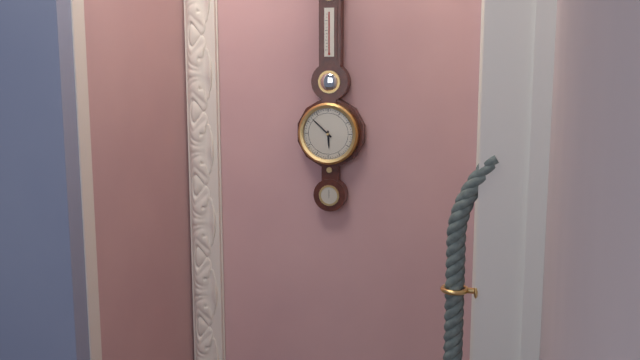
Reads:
{"hour": 5, "minute": 52}
